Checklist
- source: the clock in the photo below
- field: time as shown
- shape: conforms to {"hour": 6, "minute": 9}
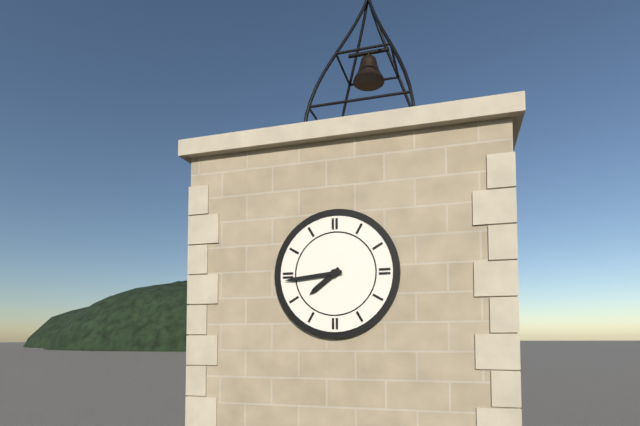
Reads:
{"hour": 7, "minute": 44}
